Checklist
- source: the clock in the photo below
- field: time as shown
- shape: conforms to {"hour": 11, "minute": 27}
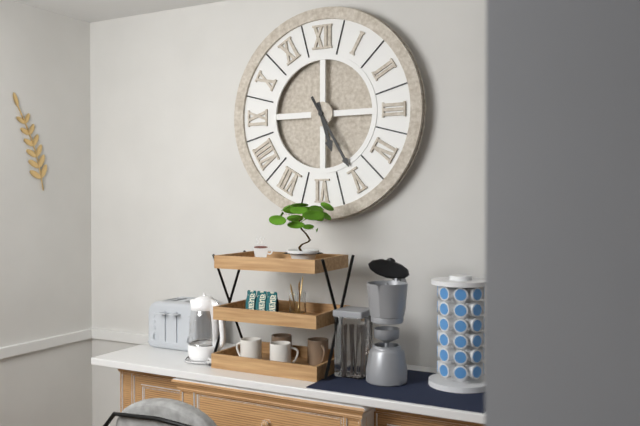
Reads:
{"hour": 5, "minute": 25}
